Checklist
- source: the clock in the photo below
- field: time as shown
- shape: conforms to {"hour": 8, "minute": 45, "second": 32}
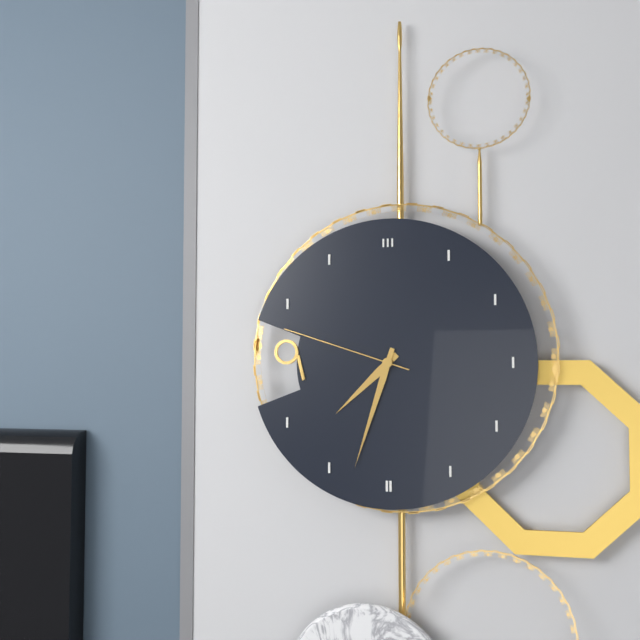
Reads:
{"hour": 7, "minute": 33, "second": 48}
